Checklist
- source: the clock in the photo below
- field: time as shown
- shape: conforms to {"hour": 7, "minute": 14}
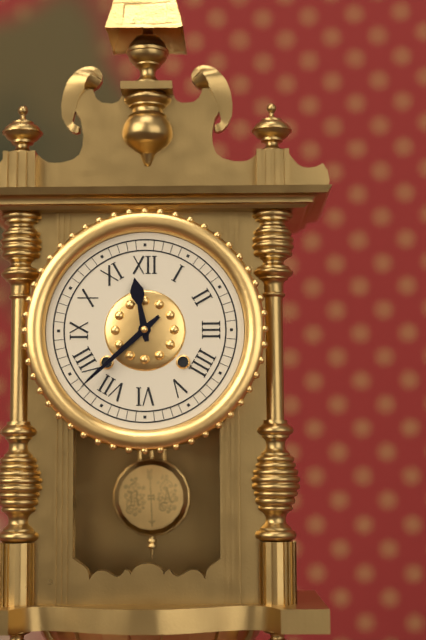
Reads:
{"hour": 11, "minute": 38}
